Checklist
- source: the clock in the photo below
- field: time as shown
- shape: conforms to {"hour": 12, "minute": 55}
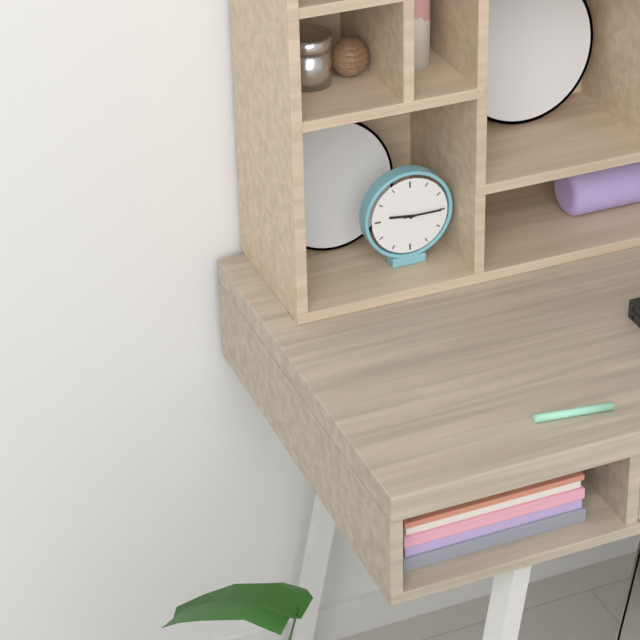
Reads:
{"hour": 9, "minute": 15}
